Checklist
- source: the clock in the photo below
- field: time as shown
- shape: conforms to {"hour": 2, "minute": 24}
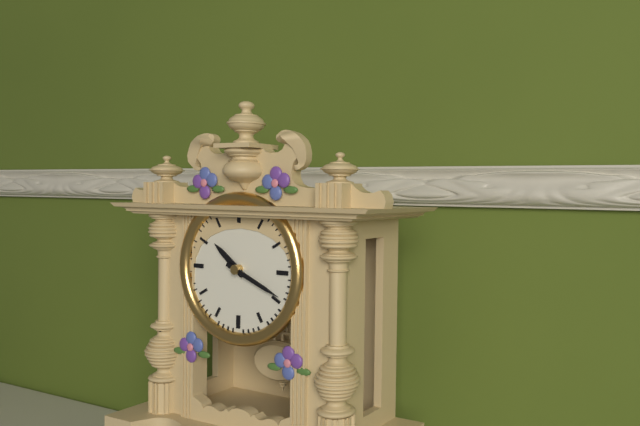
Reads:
{"hour": 10, "minute": 19}
